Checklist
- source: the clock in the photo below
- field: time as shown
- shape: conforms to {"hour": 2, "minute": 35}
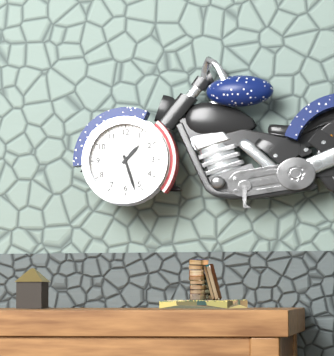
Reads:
{"hour": 1, "minute": 27}
